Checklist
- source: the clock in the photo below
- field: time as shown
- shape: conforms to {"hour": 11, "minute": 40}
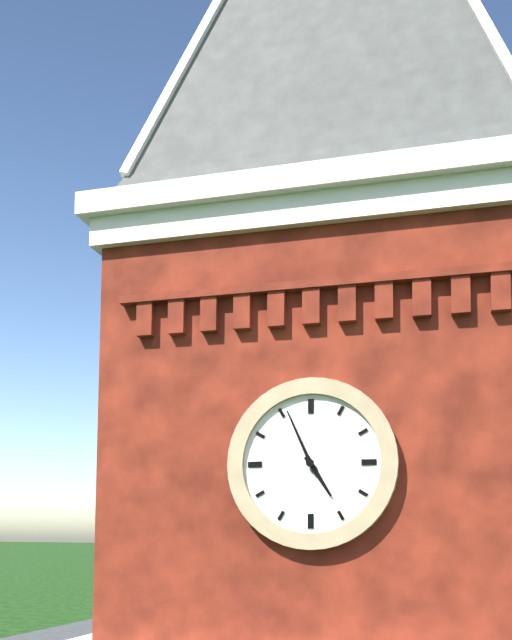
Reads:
{"hour": 4, "minute": 56}
